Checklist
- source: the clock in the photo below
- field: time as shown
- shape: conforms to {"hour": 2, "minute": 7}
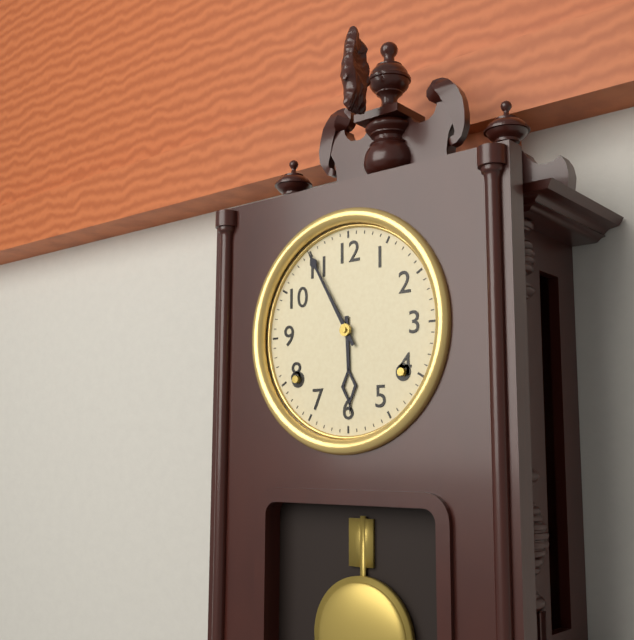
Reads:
{"hour": 5, "minute": 55}
